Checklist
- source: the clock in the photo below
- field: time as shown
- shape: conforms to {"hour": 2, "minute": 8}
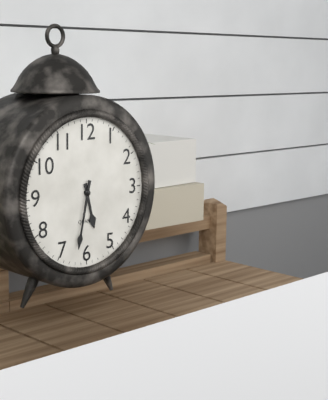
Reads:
{"hour": 5, "minute": 32}
